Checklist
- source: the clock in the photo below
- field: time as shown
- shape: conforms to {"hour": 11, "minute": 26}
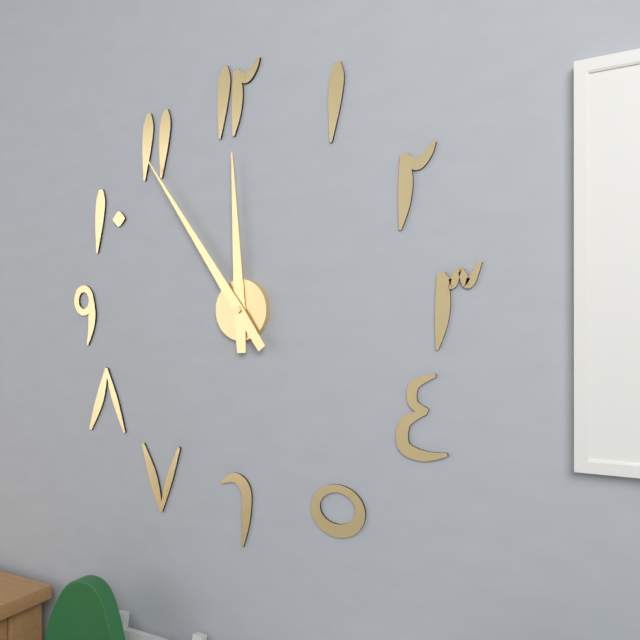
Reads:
{"hour": 11, "minute": 54}
